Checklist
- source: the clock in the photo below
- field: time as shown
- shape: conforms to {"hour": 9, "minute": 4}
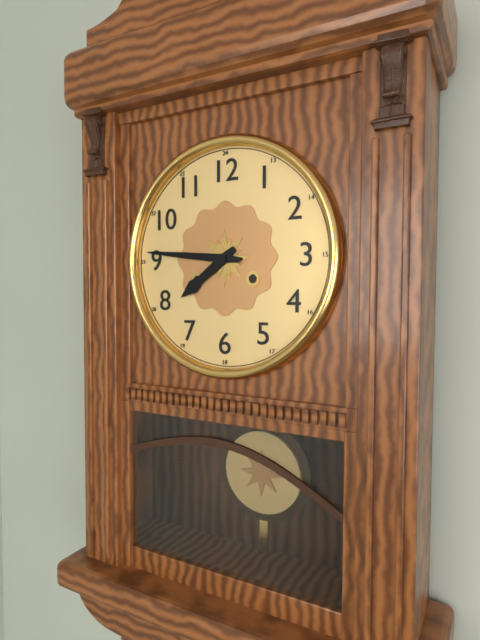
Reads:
{"hour": 7, "minute": 46}
